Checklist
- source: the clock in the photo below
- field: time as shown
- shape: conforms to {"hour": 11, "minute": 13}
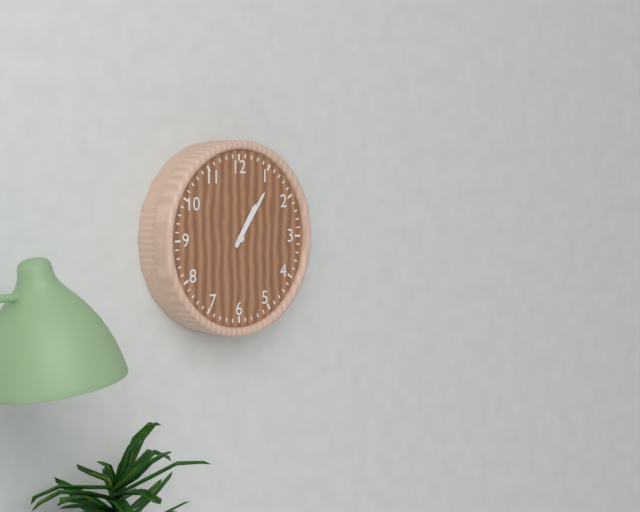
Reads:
{"hour": 1, "minute": 6}
